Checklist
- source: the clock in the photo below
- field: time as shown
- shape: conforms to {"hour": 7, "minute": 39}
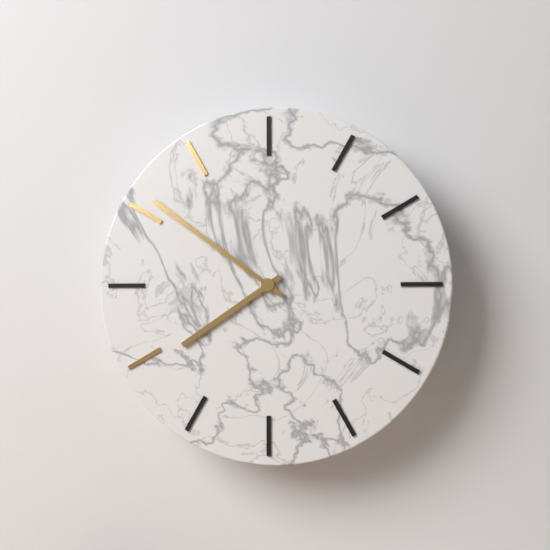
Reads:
{"hour": 7, "minute": 51}
